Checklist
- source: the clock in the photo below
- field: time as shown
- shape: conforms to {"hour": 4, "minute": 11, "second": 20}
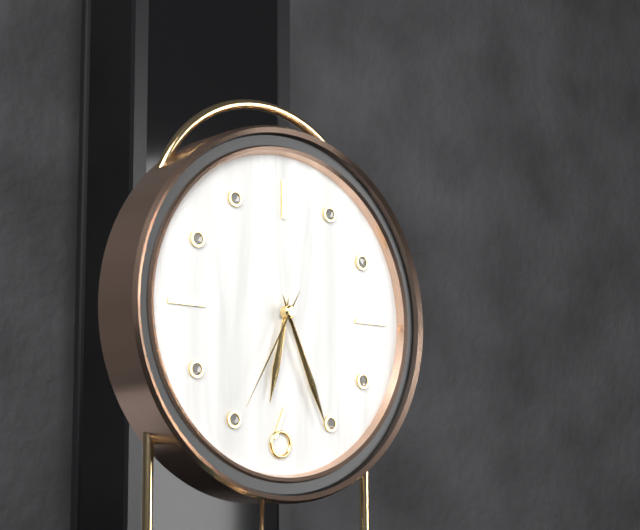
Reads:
{"hour": 6, "minute": 26, "second": 35}
